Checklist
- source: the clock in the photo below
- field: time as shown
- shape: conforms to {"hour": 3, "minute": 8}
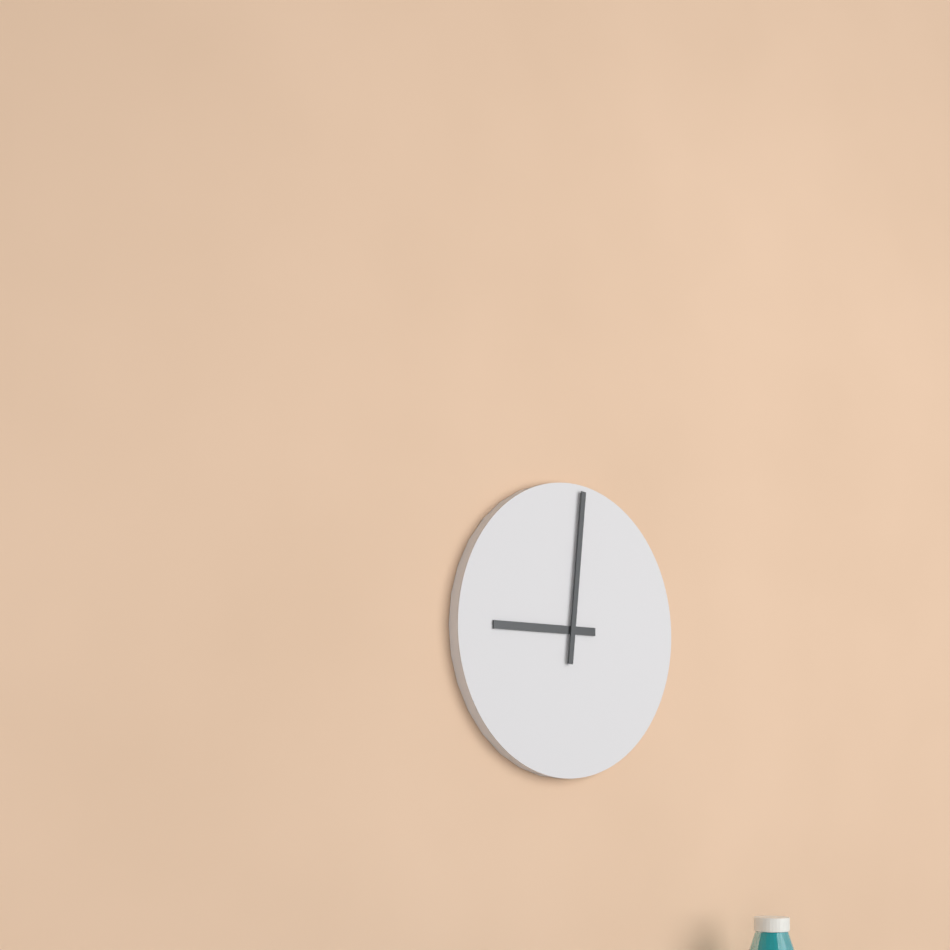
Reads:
{"hour": 9, "minute": 1}
